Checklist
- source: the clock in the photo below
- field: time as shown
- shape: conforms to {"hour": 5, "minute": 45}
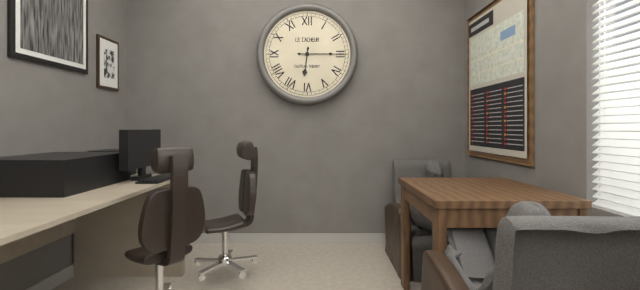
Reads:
{"hour": 6, "minute": 15}
